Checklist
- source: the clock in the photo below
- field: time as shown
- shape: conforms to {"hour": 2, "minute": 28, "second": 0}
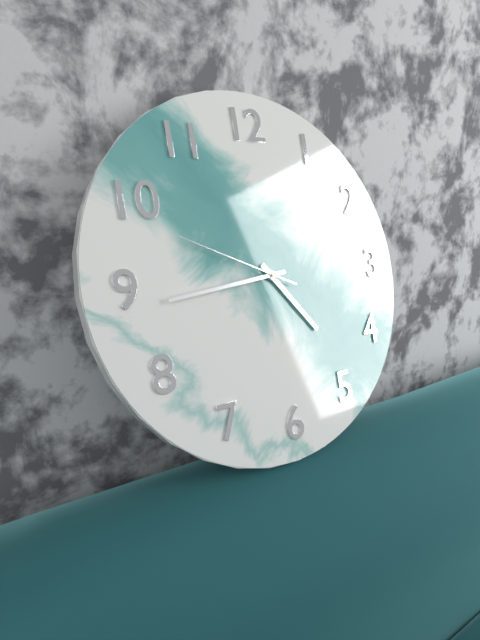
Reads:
{"hour": 4, "minute": 44, "second": 49}
